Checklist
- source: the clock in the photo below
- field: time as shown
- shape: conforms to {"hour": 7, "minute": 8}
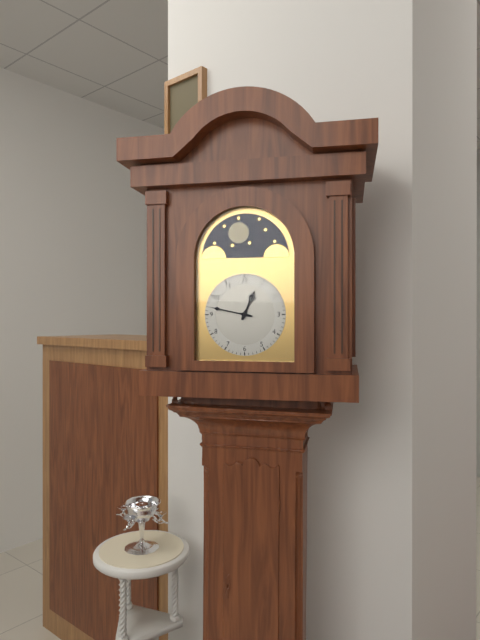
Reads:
{"hour": 12, "minute": 47}
